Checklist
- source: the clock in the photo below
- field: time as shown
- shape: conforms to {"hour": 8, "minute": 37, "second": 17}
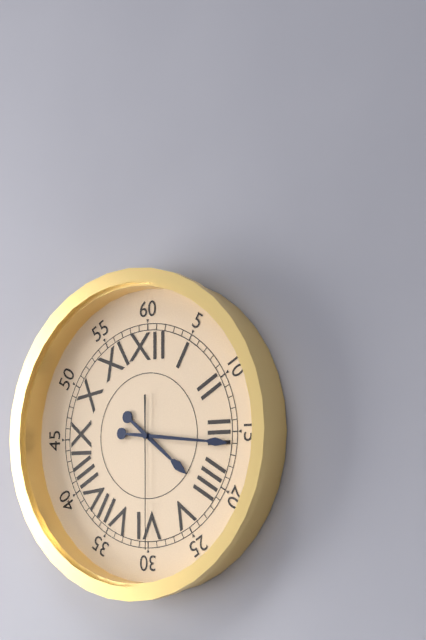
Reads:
{"hour": 4, "minute": 16, "second": 30}
